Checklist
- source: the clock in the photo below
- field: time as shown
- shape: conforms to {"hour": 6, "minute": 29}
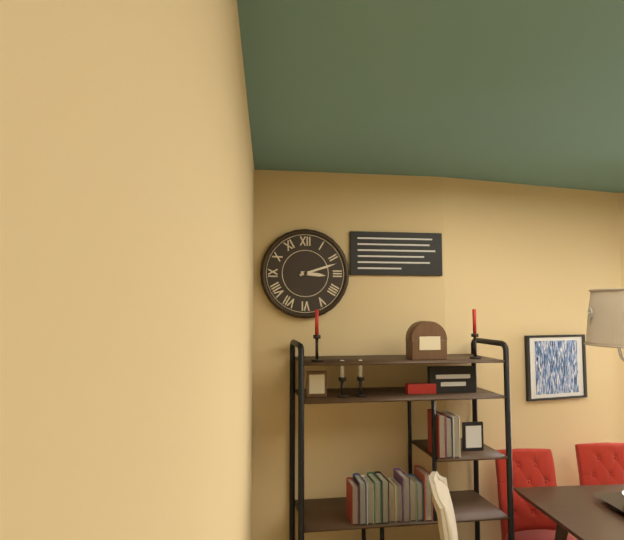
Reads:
{"hour": 3, "minute": 12}
